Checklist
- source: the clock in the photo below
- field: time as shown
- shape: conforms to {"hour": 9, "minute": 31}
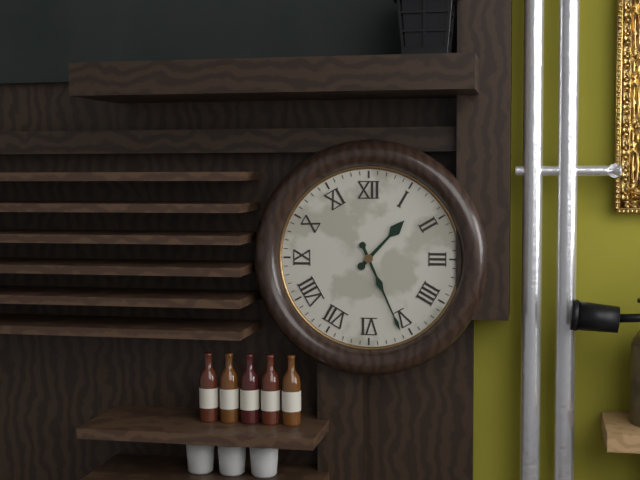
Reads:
{"hour": 1, "minute": 26}
